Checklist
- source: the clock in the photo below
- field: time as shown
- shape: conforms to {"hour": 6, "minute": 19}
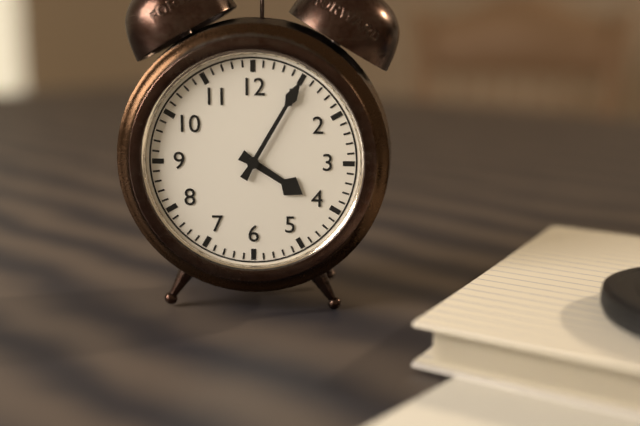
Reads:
{"hour": 4, "minute": 5}
